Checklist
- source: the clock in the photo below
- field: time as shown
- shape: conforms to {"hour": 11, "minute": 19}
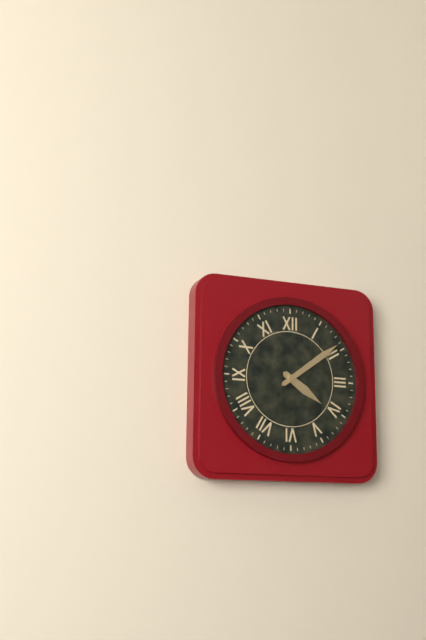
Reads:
{"hour": 4, "minute": 9}
